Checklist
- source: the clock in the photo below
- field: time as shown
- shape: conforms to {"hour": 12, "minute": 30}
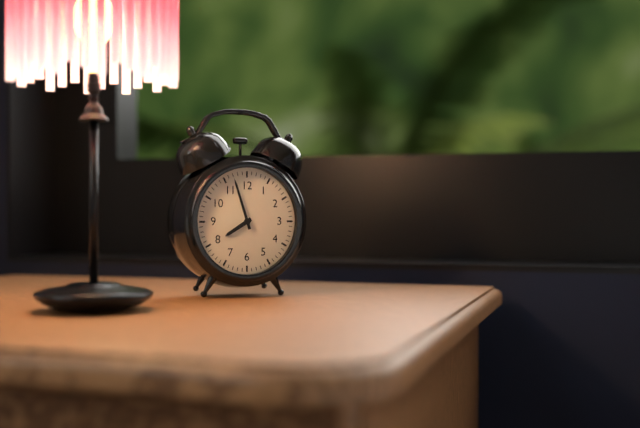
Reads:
{"hour": 7, "minute": 57}
